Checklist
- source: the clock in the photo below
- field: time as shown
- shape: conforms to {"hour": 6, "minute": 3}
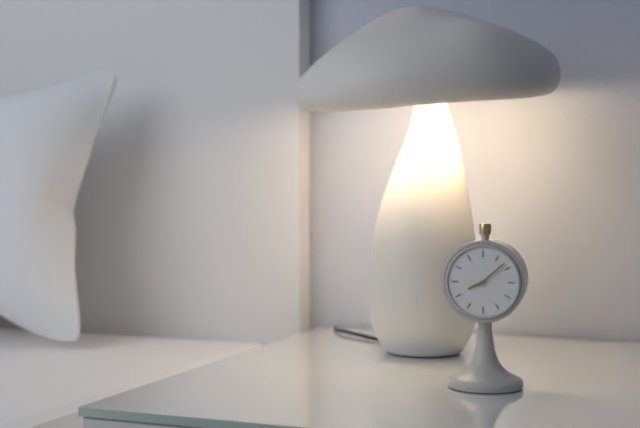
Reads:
{"hour": 8, "minute": 8}
